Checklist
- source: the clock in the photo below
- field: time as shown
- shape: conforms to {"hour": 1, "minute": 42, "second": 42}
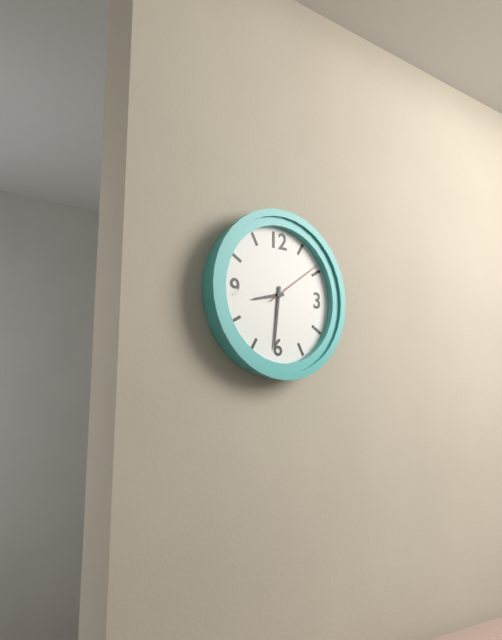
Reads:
{"hour": 8, "minute": 31, "second": 9}
